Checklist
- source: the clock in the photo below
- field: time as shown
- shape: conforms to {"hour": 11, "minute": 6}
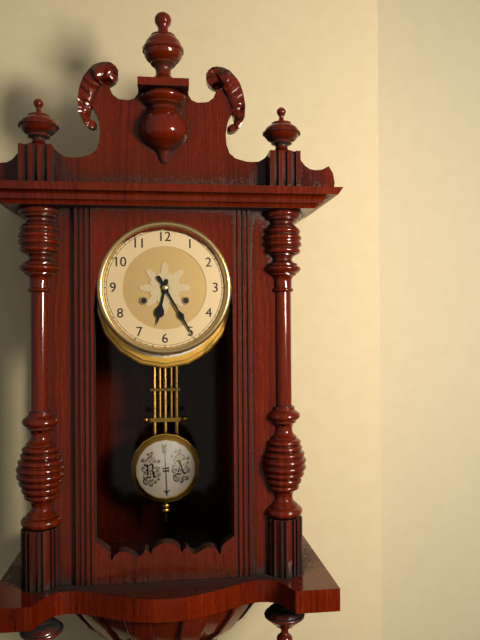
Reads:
{"hour": 6, "minute": 25}
